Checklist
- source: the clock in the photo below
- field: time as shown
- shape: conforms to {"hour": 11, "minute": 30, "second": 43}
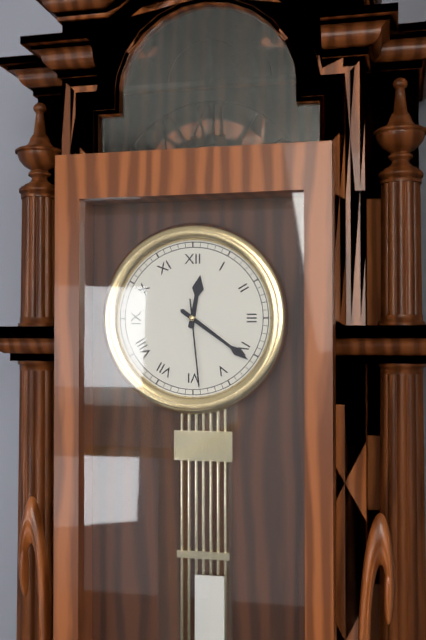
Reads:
{"hour": 12, "minute": 21, "second": 29}
